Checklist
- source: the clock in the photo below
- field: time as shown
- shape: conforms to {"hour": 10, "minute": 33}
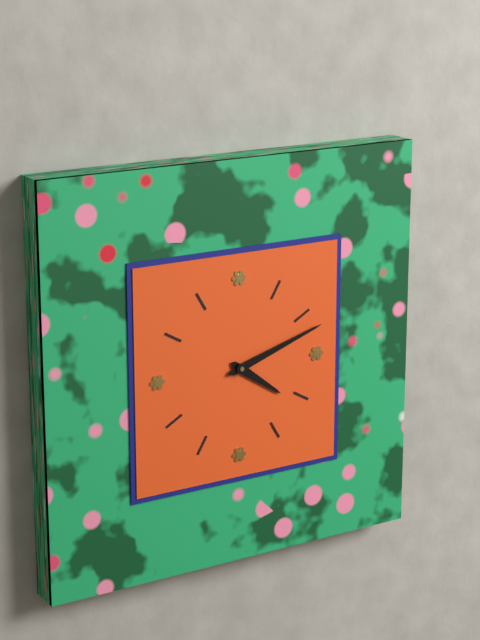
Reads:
{"hour": 4, "minute": 12}
